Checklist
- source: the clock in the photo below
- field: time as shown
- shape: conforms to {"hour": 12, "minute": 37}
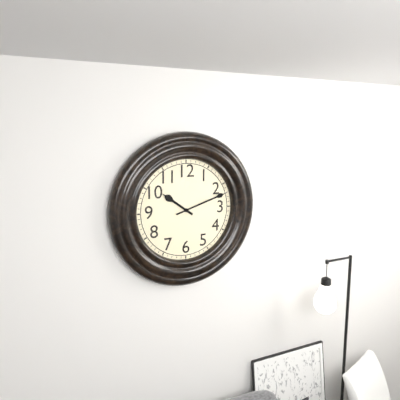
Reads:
{"hour": 10, "minute": 12}
